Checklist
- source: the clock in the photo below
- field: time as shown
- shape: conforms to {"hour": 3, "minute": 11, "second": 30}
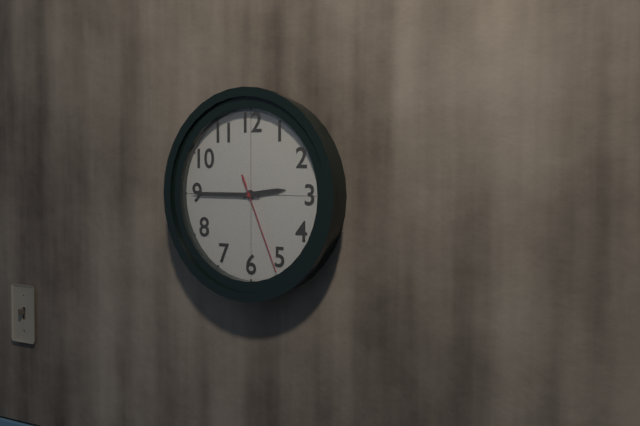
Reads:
{"hour": 2, "minute": 45, "second": 26}
